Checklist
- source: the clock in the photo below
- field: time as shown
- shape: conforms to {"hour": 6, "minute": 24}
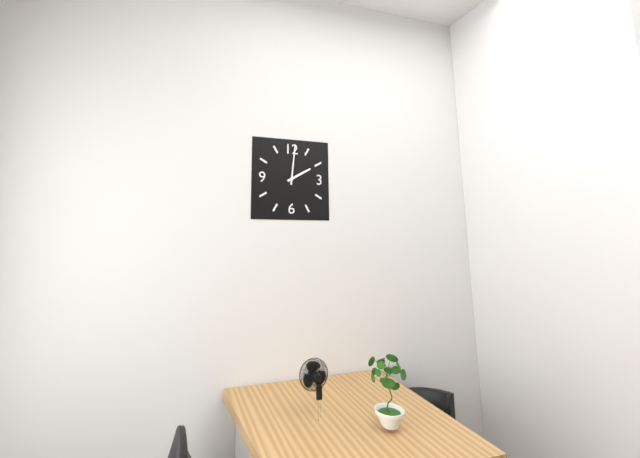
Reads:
{"hour": 2, "minute": 1}
